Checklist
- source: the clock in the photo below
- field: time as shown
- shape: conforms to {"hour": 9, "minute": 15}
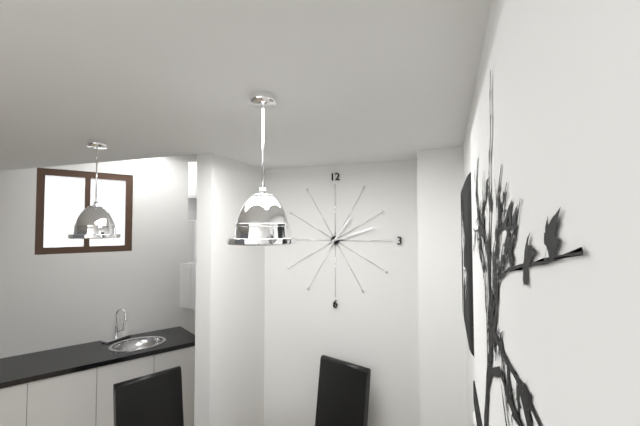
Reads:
{"hour": 1, "minute": 12}
